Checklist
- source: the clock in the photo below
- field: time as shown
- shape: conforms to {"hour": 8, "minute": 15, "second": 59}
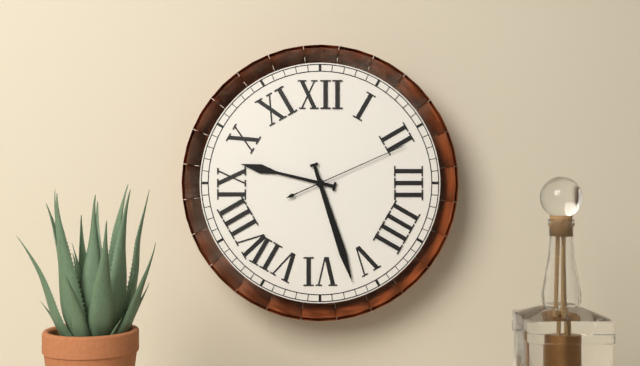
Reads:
{"hour": 9, "minute": 27, "second": 11}
